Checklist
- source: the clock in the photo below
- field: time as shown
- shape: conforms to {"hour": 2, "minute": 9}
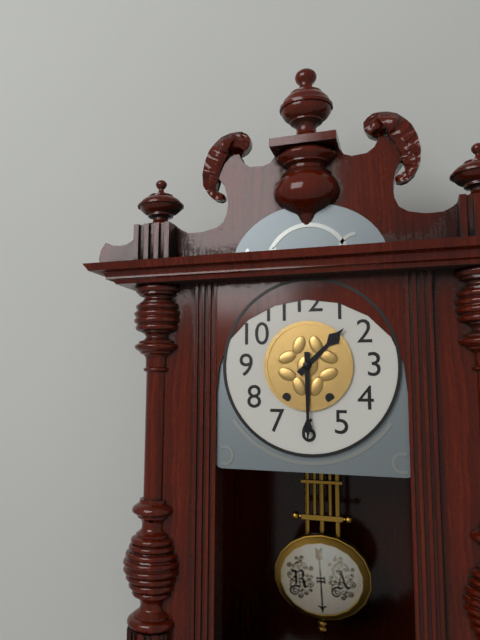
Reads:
{"hour": 1, "minute": 30}
